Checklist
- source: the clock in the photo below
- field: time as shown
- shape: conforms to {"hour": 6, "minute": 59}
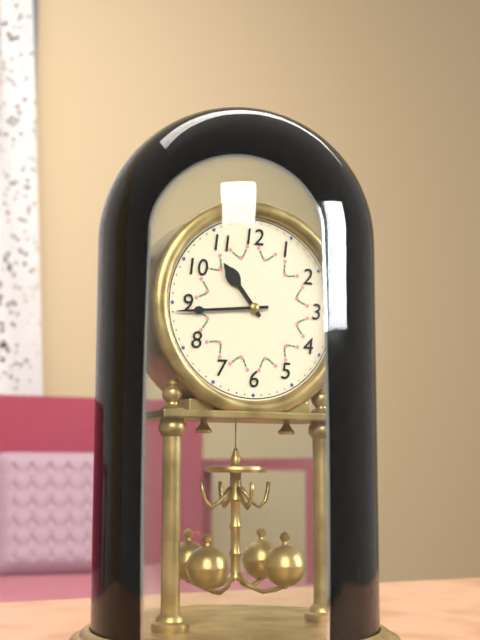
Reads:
{"hour": 10, "minute": 44}
